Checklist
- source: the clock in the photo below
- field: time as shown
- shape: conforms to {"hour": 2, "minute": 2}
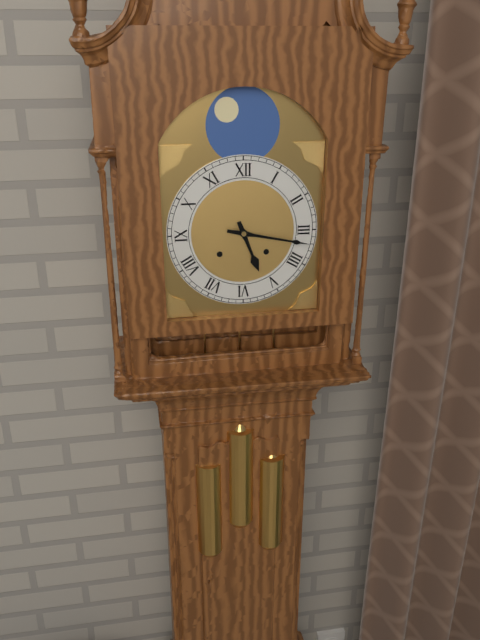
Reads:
{"hour": 5, "minute": 17}
